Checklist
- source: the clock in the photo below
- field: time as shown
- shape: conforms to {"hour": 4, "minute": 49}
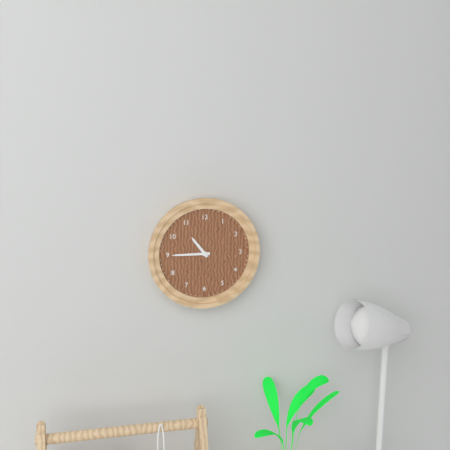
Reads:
{"hour": 10, "minute": 45}
